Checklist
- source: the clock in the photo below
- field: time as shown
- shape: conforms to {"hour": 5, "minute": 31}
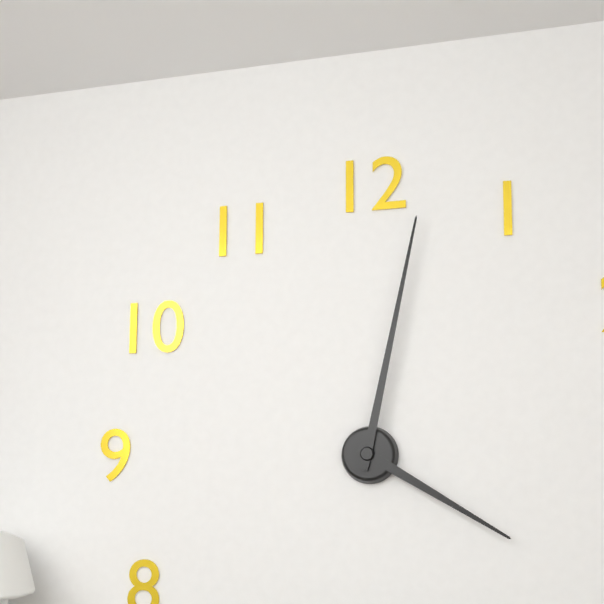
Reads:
{"hour": 4, "minute": 2}
